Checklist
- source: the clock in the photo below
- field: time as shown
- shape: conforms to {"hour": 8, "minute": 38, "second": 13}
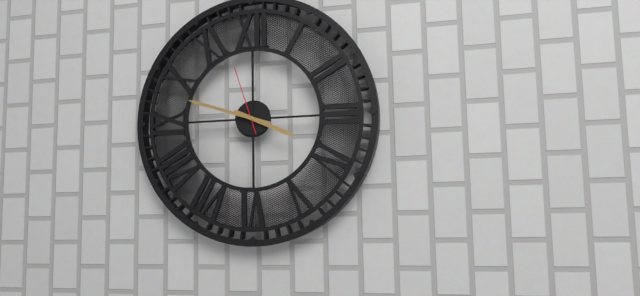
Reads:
{"hour": 3, "minute": 48, "second": 57}
